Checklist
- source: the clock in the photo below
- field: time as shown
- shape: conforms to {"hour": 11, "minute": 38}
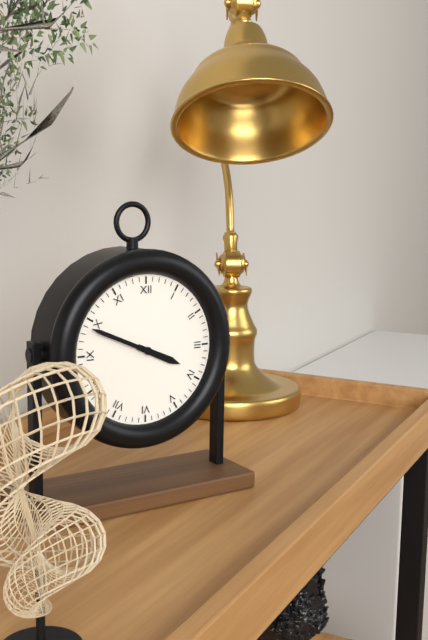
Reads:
{"hour": 3, "minute": 49}
